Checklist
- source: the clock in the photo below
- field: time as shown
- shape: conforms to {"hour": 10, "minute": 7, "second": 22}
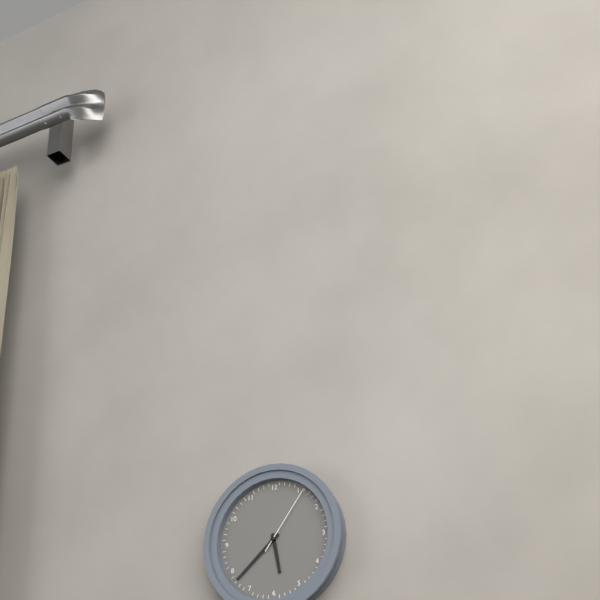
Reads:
{"hour": 5, "minute": 38, "second": 6}
